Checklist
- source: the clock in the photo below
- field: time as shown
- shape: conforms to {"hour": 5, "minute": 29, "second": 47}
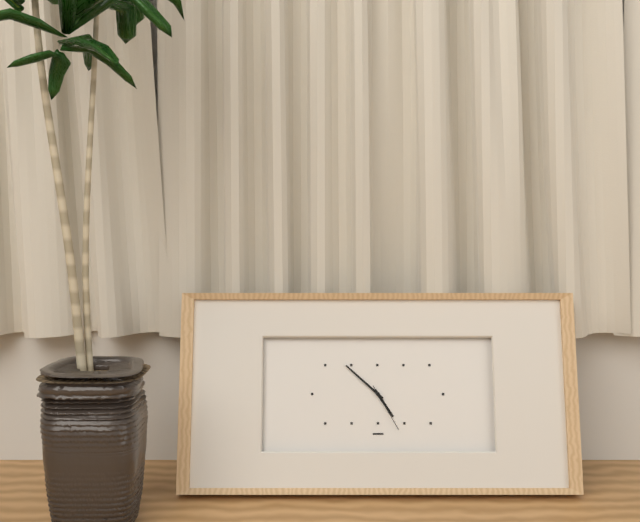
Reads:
{"hour": 4, "minute": 52, "second": 25}
